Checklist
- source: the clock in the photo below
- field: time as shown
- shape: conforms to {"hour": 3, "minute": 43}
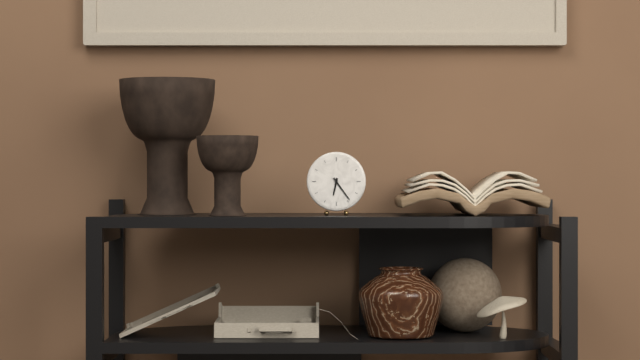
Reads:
{"hour": 6, "minute": 24}
